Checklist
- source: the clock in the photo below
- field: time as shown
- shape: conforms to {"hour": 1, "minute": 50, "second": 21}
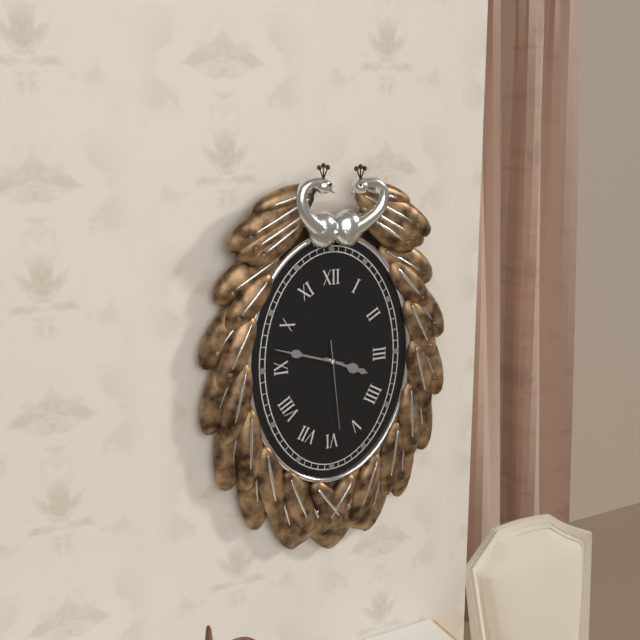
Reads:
{"hour": 3, "minute": 48, "second": 29}
